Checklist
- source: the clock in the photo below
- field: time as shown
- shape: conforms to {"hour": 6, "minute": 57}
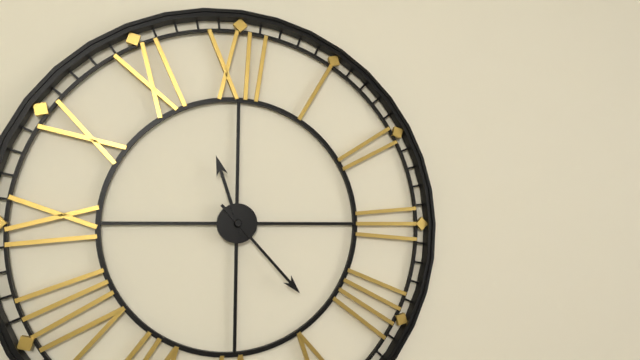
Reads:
{"hour": 11, "minute": 23}
